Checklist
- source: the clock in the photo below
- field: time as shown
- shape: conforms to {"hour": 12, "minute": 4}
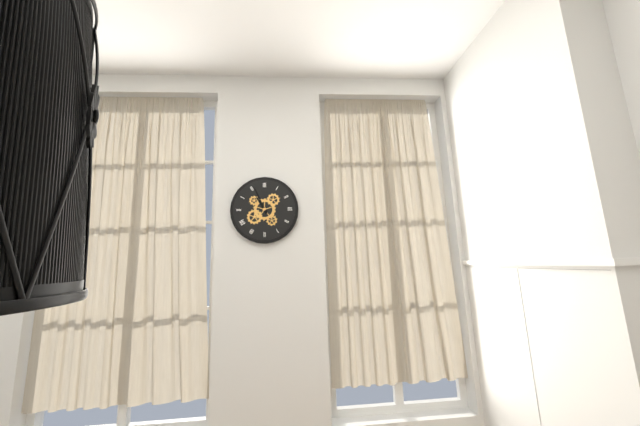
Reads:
{"hour": 10, "minute": 56}
